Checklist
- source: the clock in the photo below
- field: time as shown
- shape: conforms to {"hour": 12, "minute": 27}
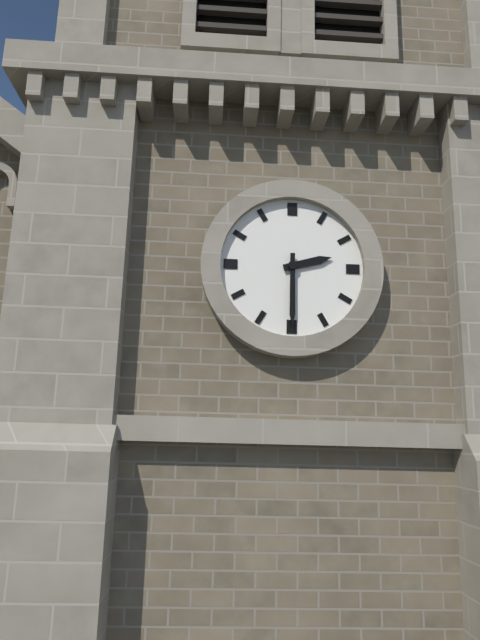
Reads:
{"hour": 2, "minute": 30}
